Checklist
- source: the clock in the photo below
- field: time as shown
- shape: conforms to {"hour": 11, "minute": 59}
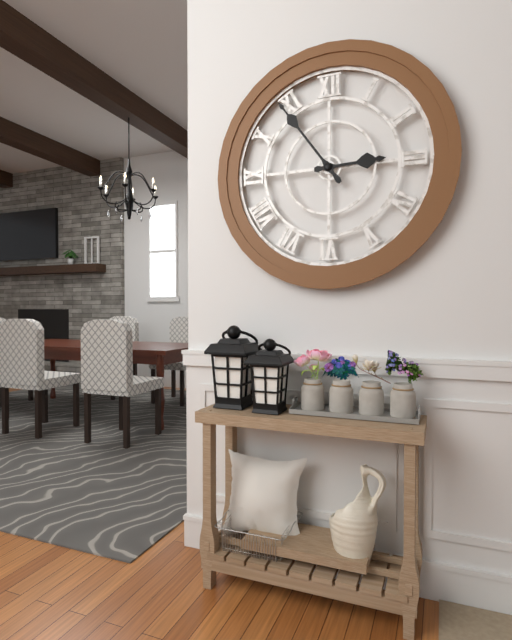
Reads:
{"hour": 2, "minute": 54}
